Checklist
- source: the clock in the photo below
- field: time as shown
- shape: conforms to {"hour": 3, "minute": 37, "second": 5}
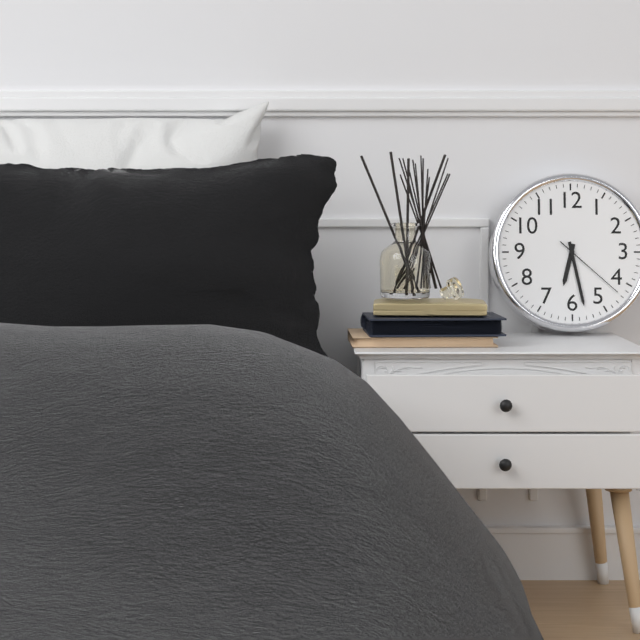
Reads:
{"hour": 6, "minute": 28, "second": 22}
